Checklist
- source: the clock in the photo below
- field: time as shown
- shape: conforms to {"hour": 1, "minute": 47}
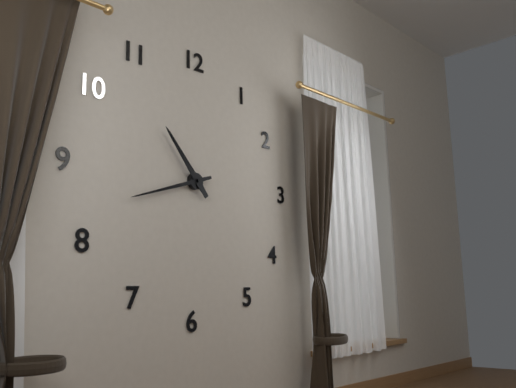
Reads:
{"hour": 10, "minute": 42}
